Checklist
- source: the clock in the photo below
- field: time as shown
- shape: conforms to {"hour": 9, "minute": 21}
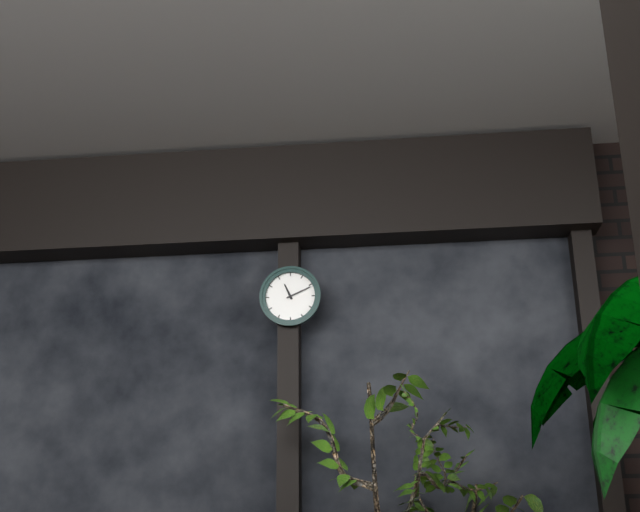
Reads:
{"hour": 11, "minute": 11}
